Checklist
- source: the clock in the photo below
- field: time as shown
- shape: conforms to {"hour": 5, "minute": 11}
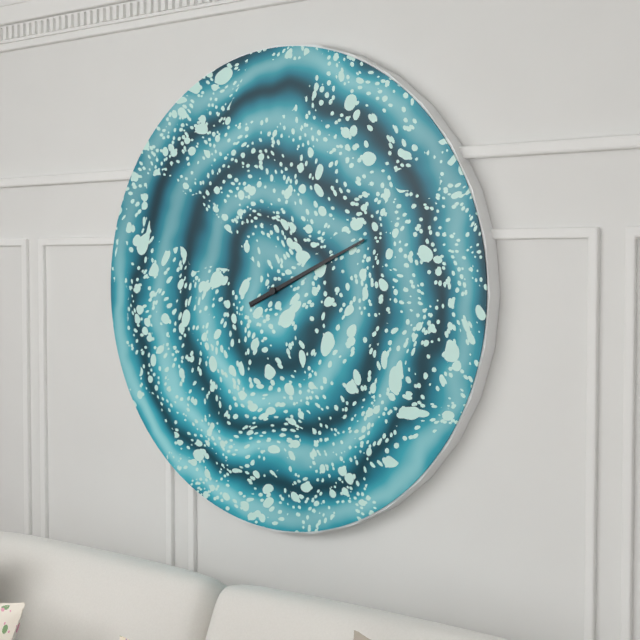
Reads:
{"hour": 2, "minute": 11}
